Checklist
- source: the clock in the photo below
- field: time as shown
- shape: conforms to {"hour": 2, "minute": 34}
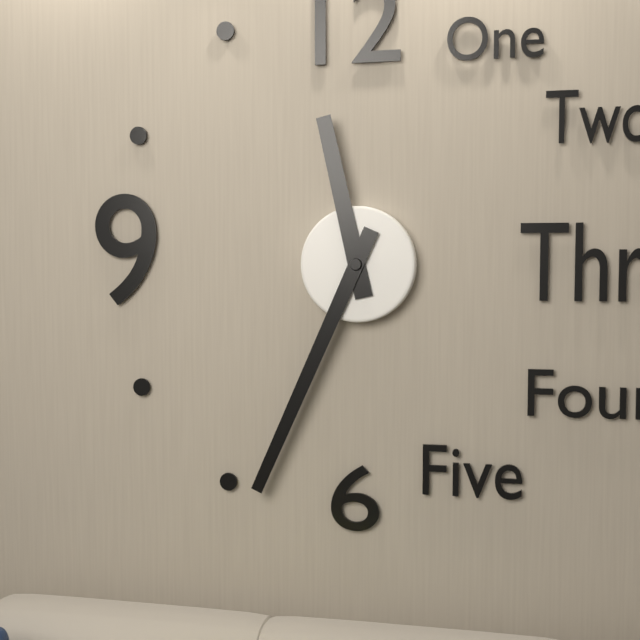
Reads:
{"hour": 11, "minute": 34}
